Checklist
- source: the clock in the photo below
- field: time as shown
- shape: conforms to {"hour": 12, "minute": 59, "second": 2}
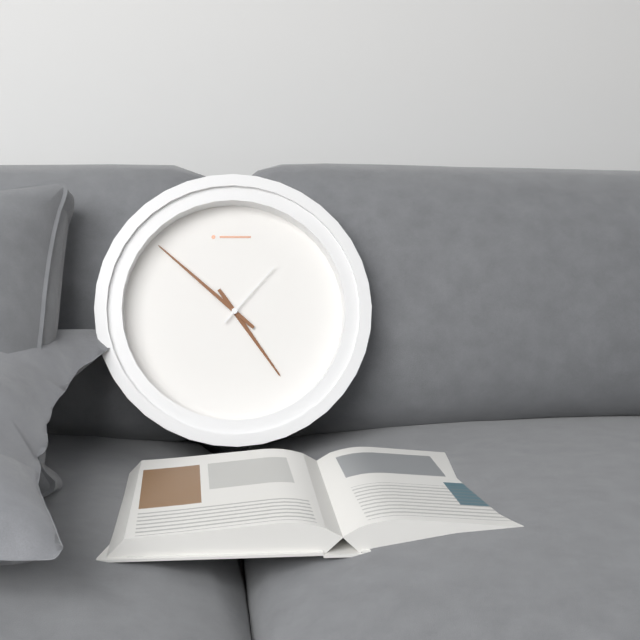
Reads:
{"hour": 4, "minute": 52, "second": 7}
